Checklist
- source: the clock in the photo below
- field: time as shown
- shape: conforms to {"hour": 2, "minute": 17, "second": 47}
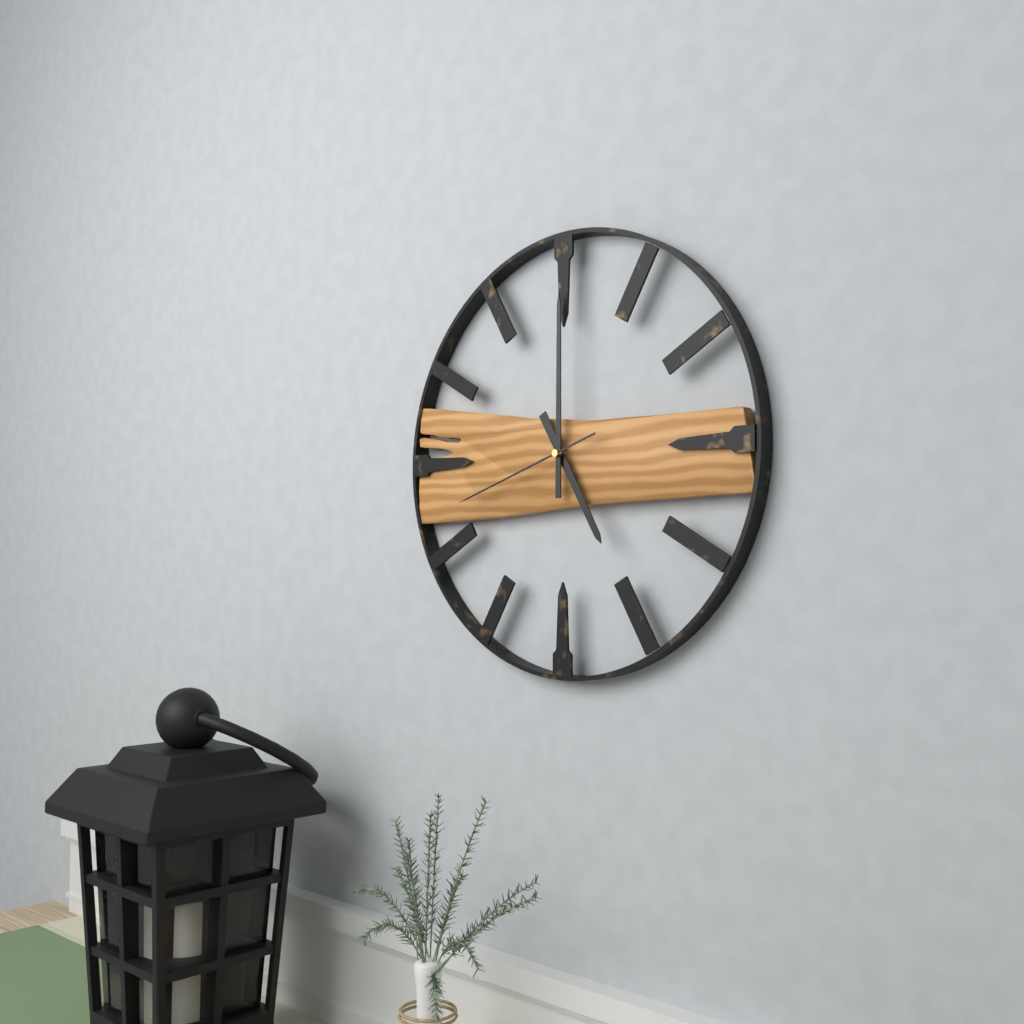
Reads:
{"hour": 5, "minute": 0, "second": 42}
